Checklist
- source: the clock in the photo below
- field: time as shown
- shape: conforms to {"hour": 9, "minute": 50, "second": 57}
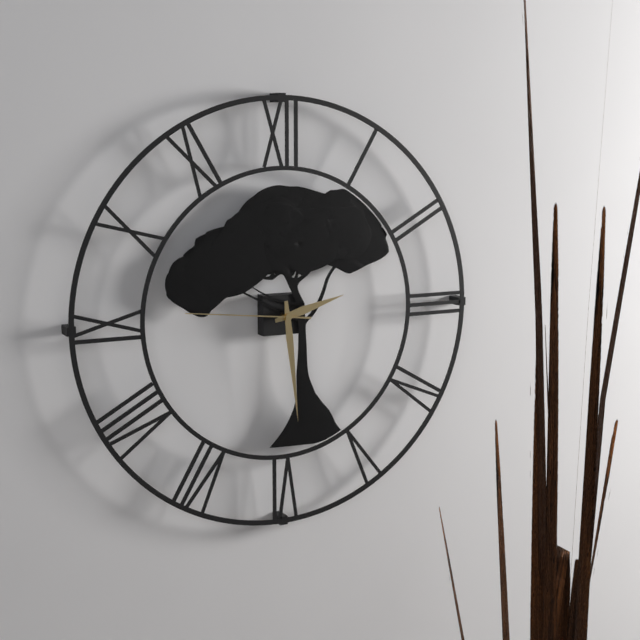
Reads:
{"hour": 2, "minute": 29, "second": 46}
